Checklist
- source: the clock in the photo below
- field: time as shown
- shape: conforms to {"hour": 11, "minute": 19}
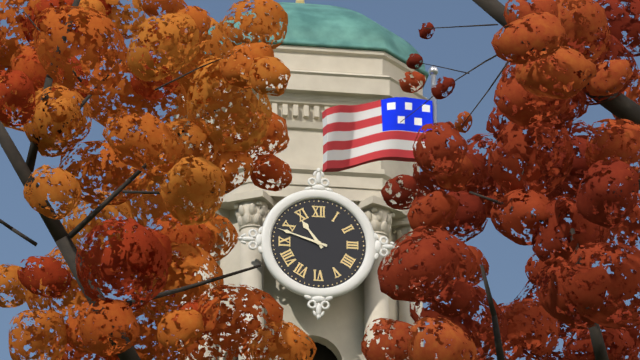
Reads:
{"hour": 10, "minute": 48}
